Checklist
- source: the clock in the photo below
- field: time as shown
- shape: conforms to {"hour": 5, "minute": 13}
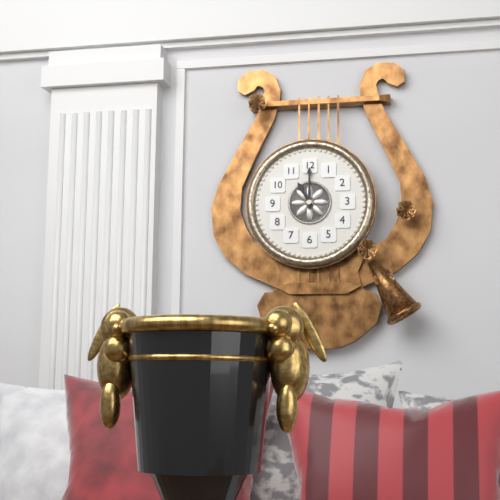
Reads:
{"hour": 11, "minute": 0}
